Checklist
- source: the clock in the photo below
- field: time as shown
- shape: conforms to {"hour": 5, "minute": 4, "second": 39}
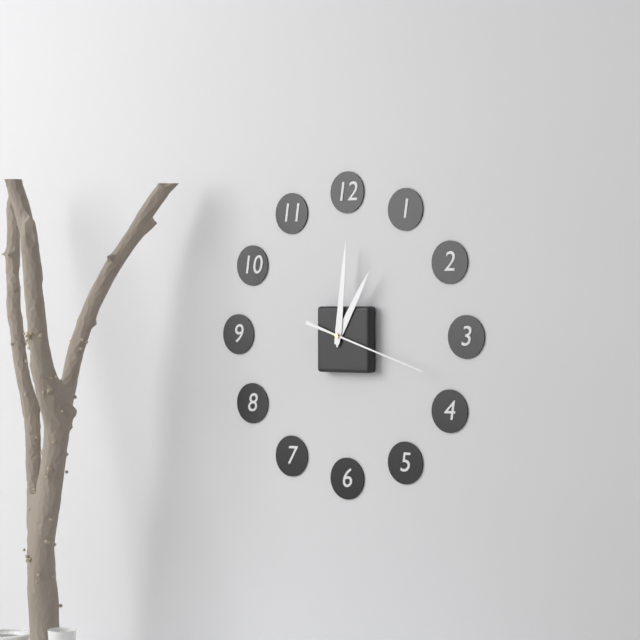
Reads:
{"hour": 1, "minute": 1, "second": 18}
